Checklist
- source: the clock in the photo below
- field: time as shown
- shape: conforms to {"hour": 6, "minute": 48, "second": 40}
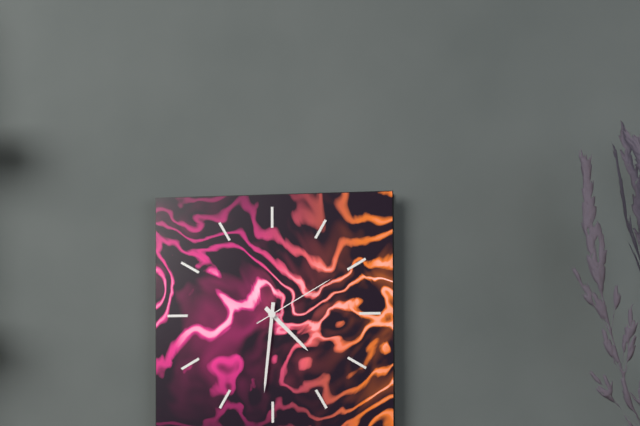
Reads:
{"hour": 4, "minute": 31, "second": 10}
